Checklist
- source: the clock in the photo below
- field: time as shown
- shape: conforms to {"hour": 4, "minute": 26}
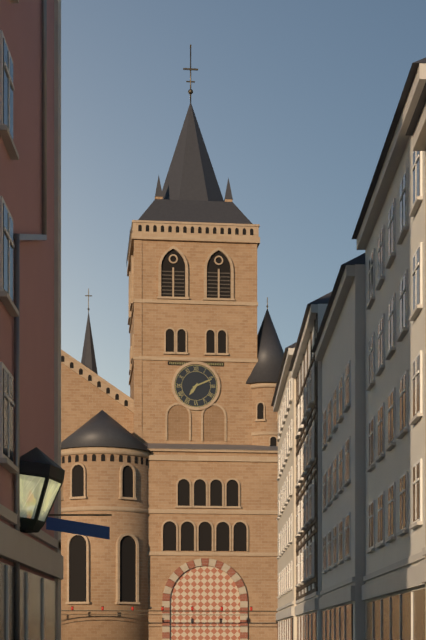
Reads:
{"hour": 7, "minute": 11}
